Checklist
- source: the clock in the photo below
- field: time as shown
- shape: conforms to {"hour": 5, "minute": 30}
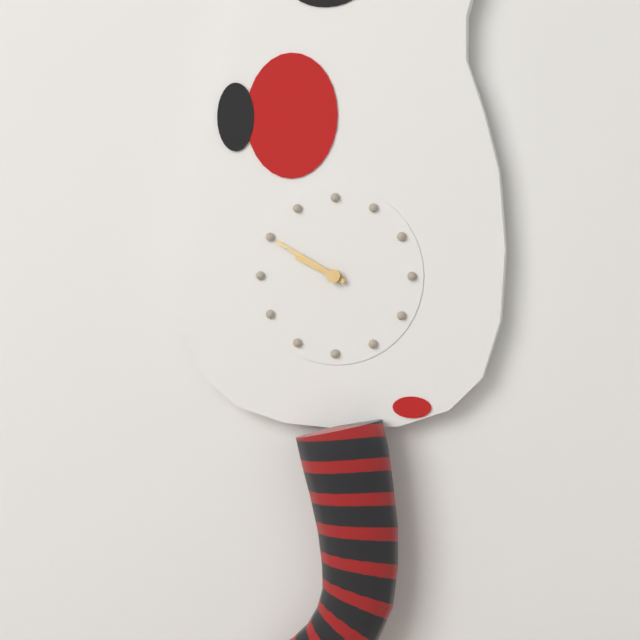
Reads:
{"hour": 9, "minute": 50}
